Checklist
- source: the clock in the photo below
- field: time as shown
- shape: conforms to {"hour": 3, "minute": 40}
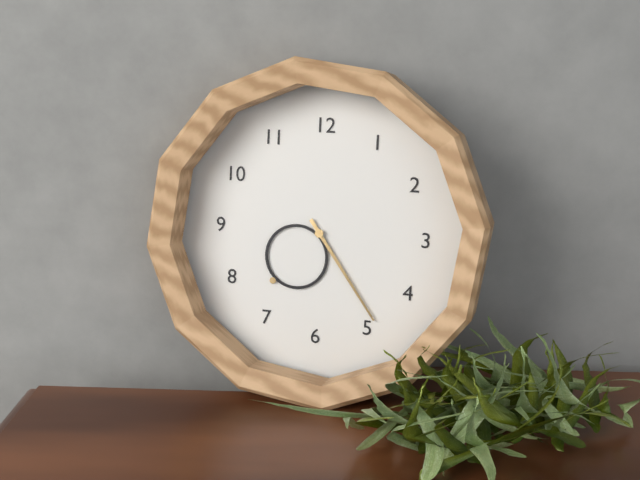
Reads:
{"hour": 7, "minute": 24}
